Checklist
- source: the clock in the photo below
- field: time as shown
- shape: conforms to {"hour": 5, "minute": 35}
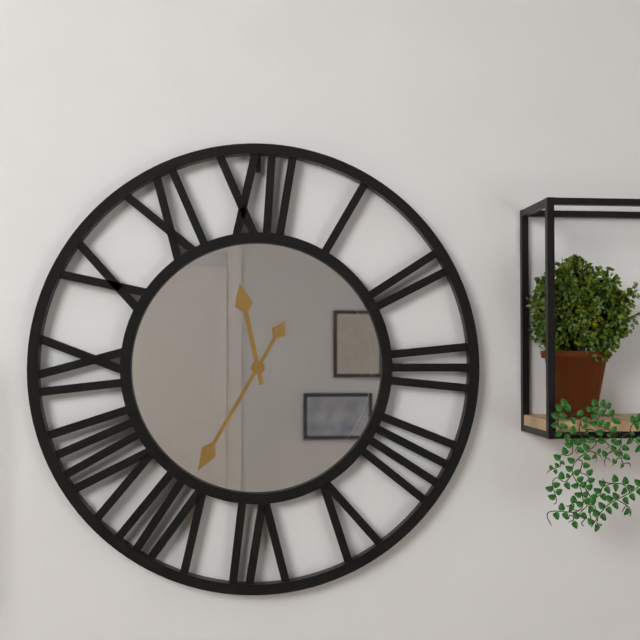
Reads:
{"hour": 11, "minute": 35}
